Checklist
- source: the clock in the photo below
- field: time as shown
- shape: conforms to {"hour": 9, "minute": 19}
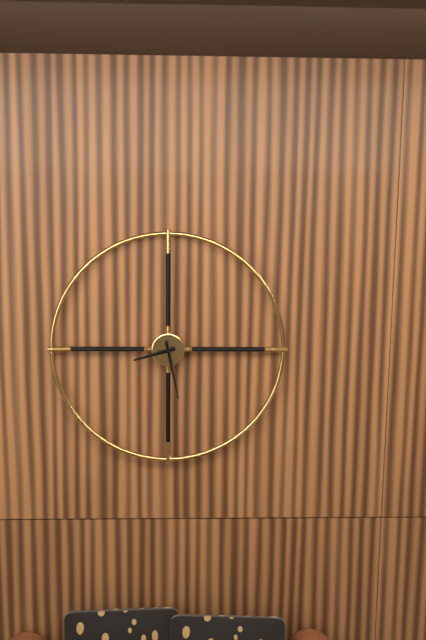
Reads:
{"hour": 8, "minute": 28}
